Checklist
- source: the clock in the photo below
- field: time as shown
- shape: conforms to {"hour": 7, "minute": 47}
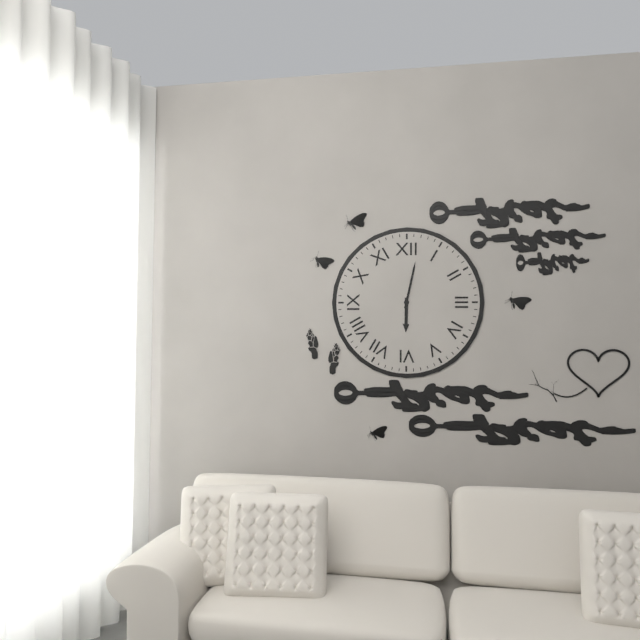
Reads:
{"hour": 6, "minute": 2}
